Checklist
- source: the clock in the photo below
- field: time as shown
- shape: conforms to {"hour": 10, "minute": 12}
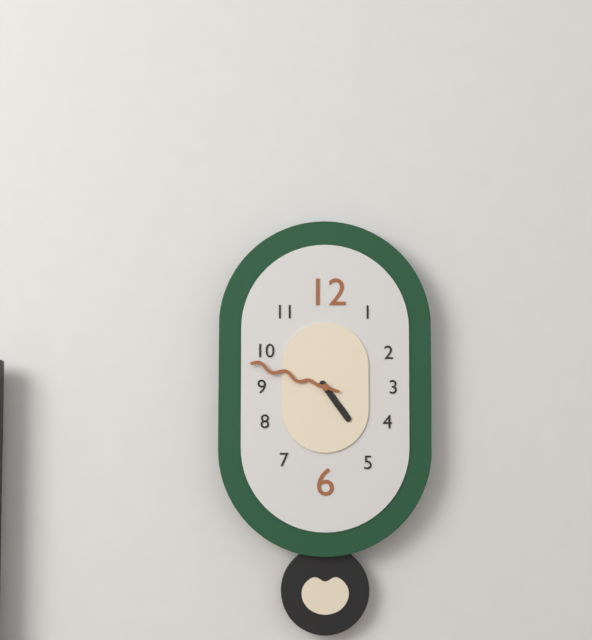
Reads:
{"hour": 4, "minute": 48}
